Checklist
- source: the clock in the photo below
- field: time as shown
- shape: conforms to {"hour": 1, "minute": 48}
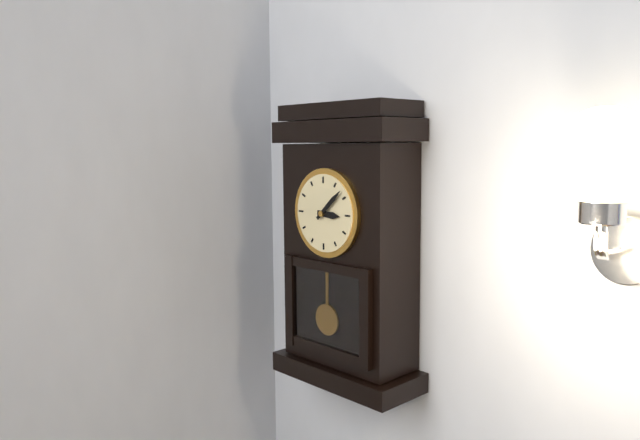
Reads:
{"hour": 3, "minute": 8}
